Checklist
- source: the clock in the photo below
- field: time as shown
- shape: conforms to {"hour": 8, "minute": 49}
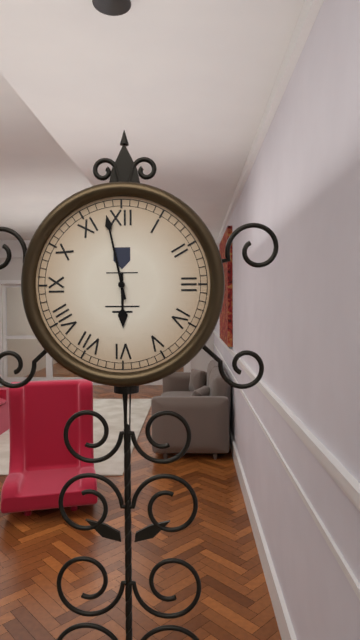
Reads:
{"hour": 5, "minute": 58}
